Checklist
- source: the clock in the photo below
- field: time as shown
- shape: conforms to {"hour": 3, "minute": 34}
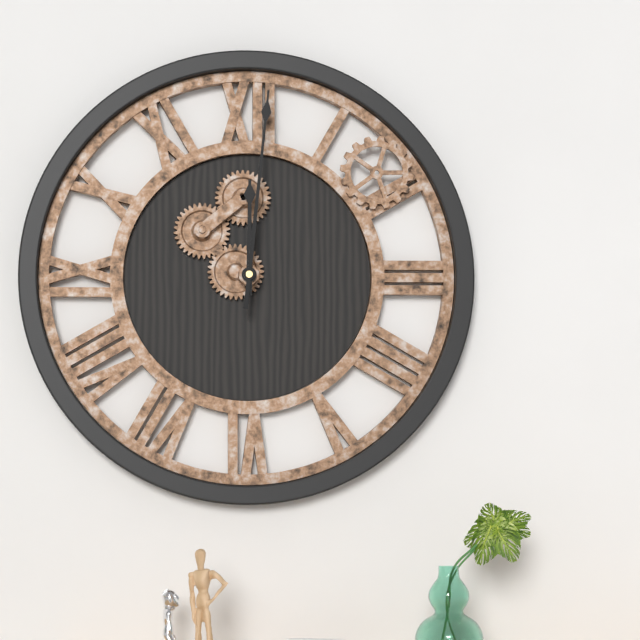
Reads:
{"hour": 12, "minute": 1}
